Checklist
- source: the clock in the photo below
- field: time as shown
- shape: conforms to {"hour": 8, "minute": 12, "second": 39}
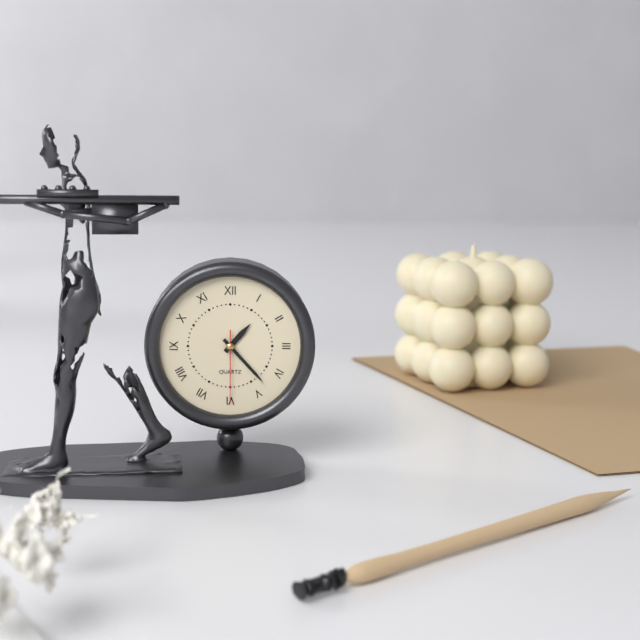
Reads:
{"hour": 1, "minute": 23, "second": 30}
